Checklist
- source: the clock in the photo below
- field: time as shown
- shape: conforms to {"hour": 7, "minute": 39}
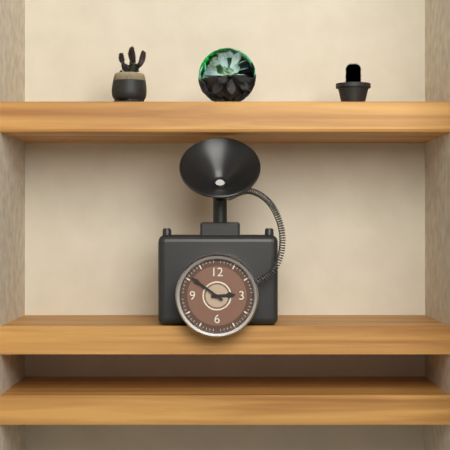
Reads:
{"hour": 2, "minute": 51}
